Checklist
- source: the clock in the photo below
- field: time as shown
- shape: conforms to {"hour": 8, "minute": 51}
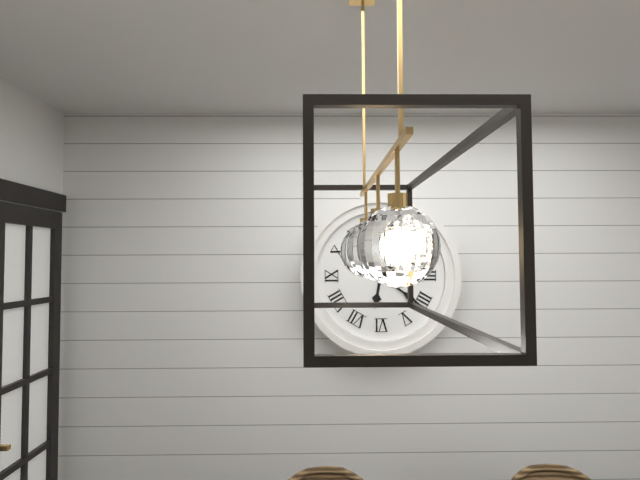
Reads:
{"hour": 6, "minute": 21}
